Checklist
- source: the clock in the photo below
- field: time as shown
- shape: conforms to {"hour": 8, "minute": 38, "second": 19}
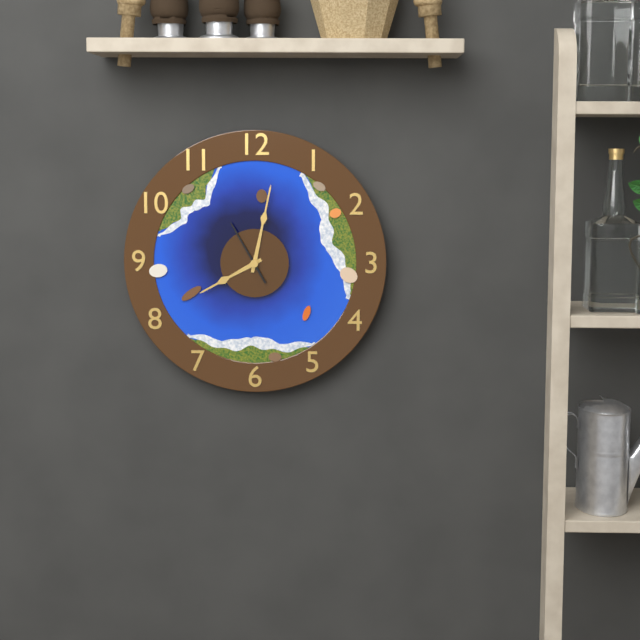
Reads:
{"hour": 8, "minute": 2, "second": 55}
